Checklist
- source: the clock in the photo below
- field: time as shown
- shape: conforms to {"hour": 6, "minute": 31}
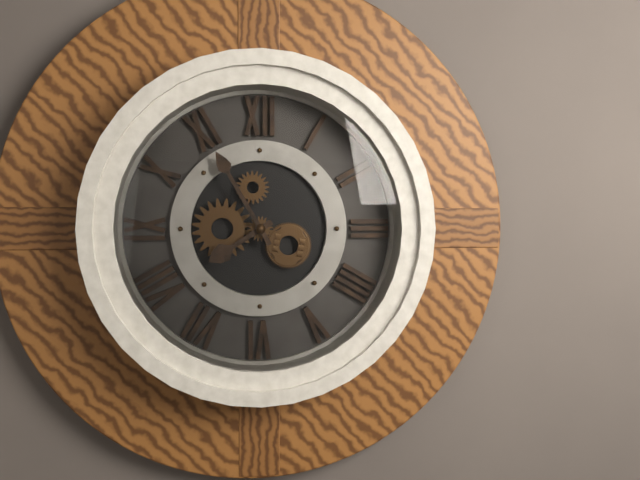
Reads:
{"hour": 7, "minute": 55}
